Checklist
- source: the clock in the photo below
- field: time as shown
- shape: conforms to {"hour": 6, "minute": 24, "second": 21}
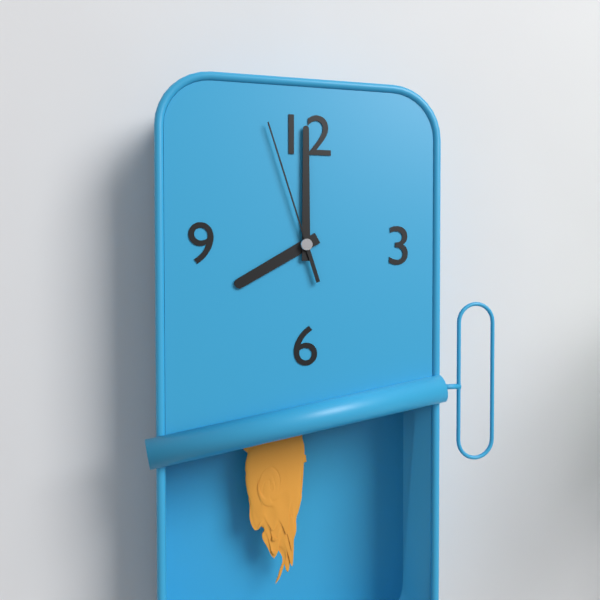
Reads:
{"hour": 8, "minute": 0, "second": 57}
